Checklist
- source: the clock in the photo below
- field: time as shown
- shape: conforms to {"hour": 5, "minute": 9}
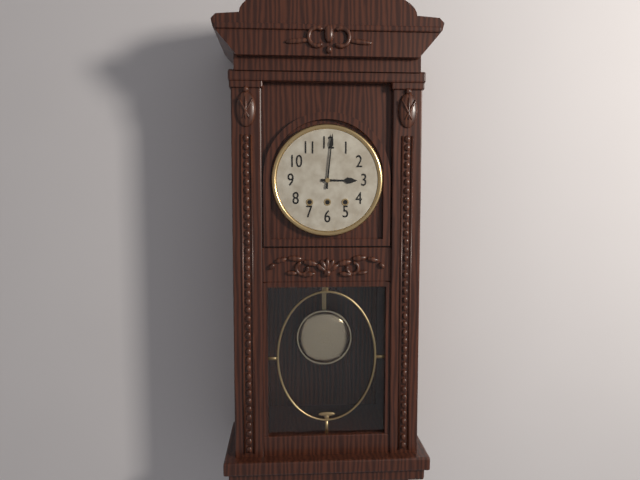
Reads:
{"hour": 3, "minute": 1}
